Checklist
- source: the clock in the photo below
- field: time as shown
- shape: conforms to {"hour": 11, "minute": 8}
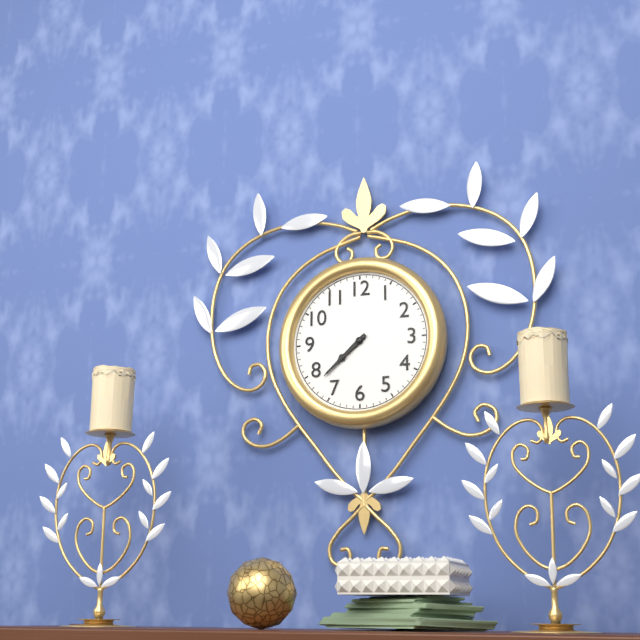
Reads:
{"hour": 7, "minute": 38}
